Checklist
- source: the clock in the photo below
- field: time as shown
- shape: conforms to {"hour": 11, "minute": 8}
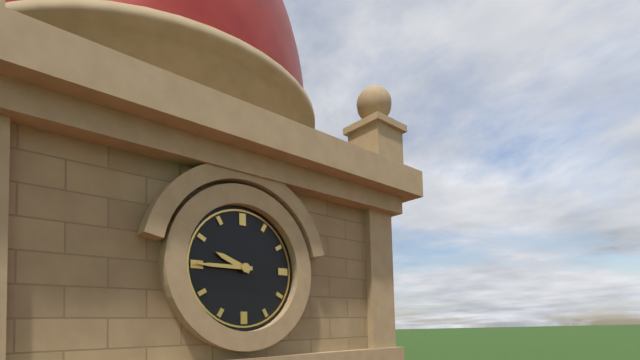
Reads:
{"hour": 9, "minute": 45}
